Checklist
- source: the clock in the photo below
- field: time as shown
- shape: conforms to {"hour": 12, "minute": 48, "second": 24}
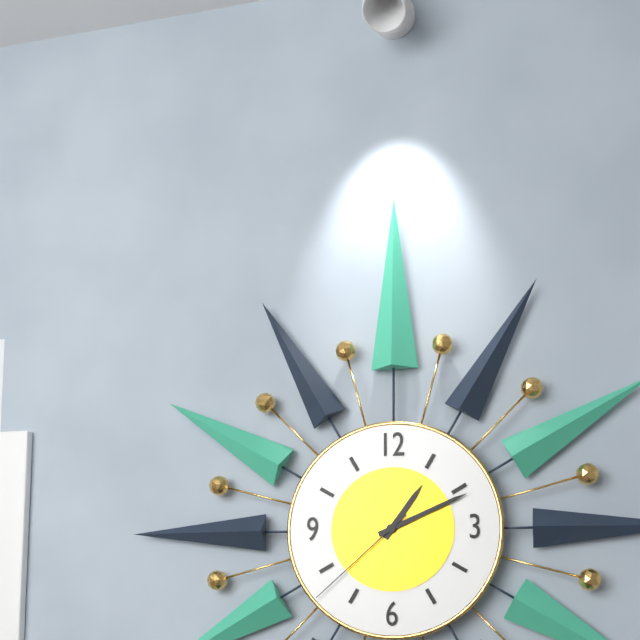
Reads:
{"hour": 1, "minute": 11, "second": 38}
